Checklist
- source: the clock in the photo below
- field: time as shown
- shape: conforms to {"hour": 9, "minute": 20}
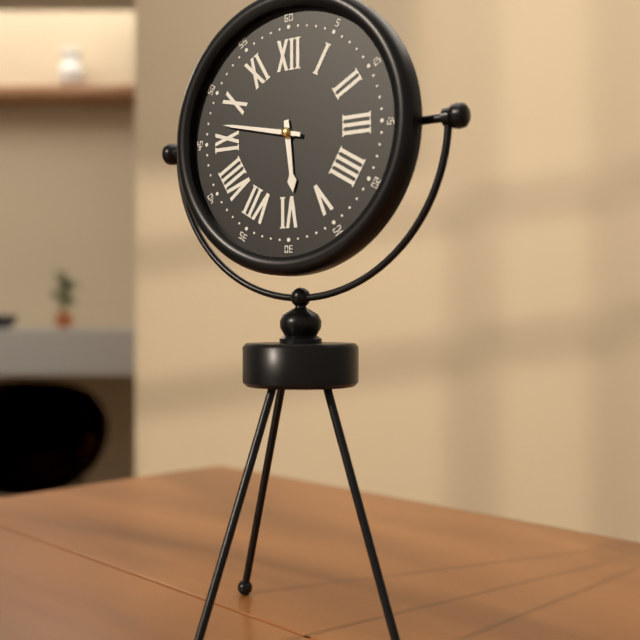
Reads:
{"hour": 5, "minute": 47}
